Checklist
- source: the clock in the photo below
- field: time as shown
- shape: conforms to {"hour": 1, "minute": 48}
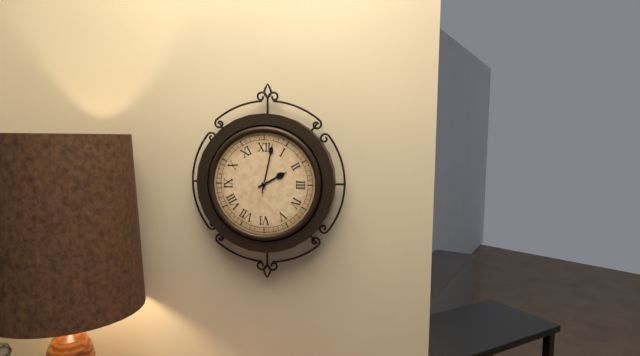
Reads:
{"hour": 2, "minute": 2}
